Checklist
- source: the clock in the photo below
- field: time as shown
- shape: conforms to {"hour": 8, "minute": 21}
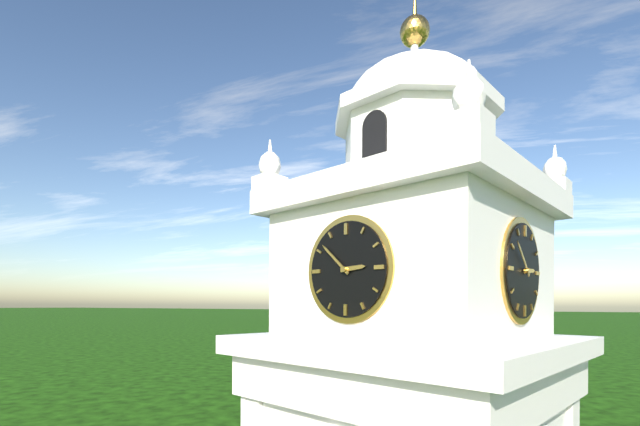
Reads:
{"hour": 2, "minute": 52}
